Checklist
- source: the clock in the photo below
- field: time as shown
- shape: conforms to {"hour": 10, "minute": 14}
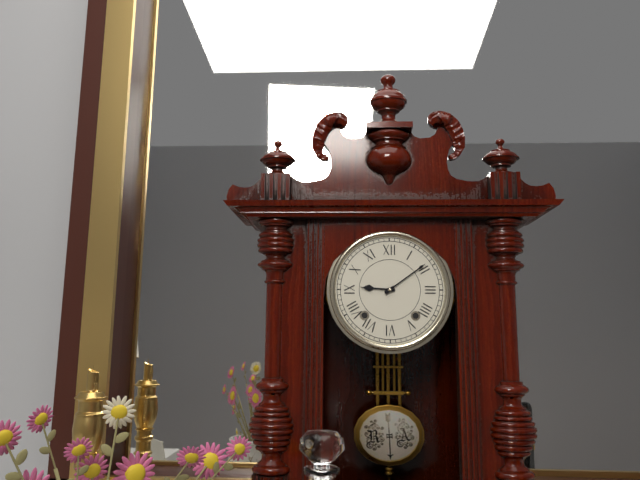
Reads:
{"hour": 9, "minute": 9}
